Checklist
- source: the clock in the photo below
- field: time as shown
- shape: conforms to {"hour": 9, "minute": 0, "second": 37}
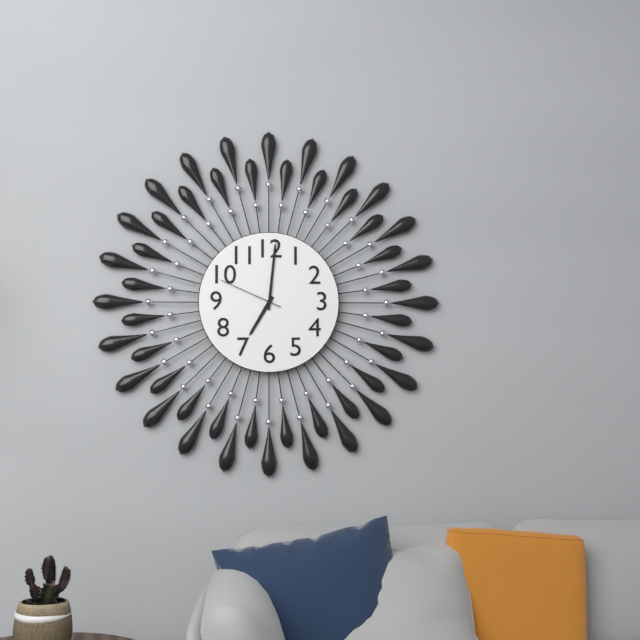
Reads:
{"hour": 7, "minute": 1, "second": 49}
